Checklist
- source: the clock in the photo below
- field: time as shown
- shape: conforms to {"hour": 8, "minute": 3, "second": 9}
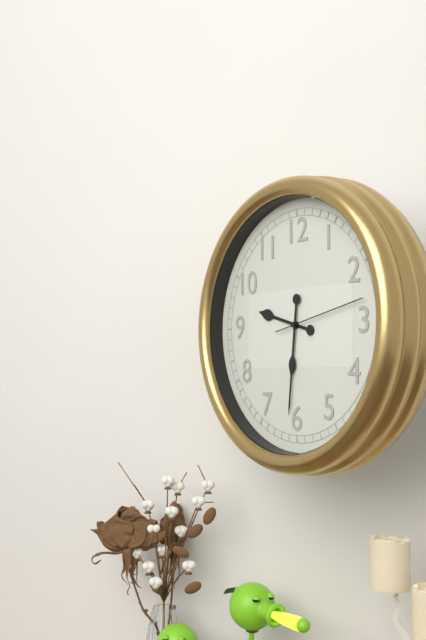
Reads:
{"hour": 9, "minute": 31, "second": 13}
